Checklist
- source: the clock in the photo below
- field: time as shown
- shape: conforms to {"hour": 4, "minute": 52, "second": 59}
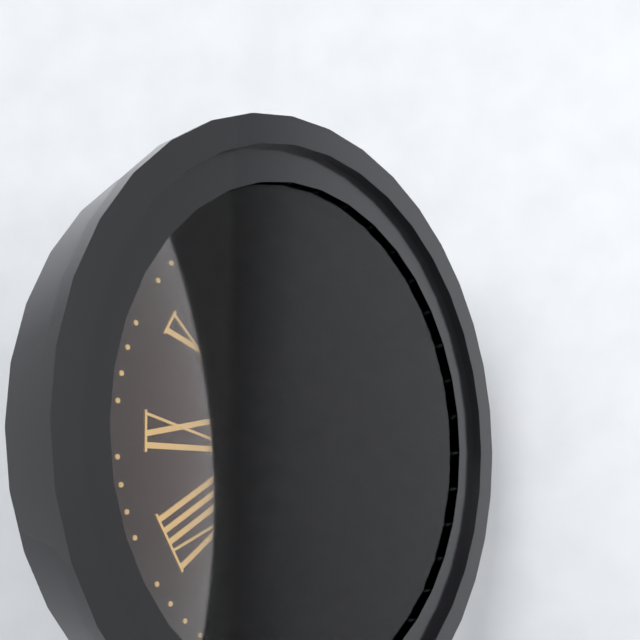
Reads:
{"hour": 7, "minute": 27, "second": 13}
